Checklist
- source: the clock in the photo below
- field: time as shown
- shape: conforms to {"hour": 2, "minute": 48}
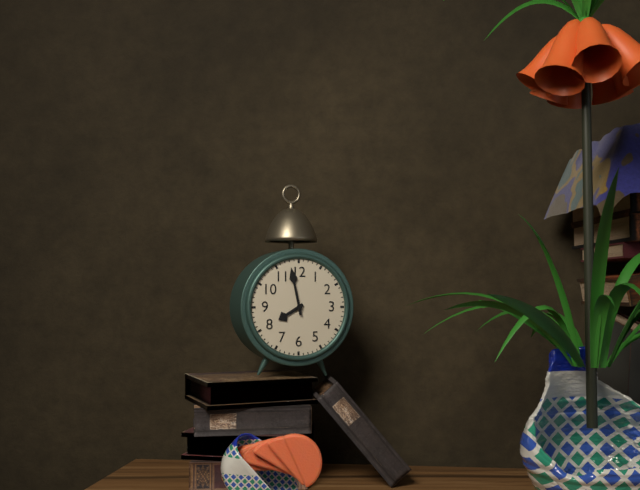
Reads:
{"hour": 7, "minute": 58}
